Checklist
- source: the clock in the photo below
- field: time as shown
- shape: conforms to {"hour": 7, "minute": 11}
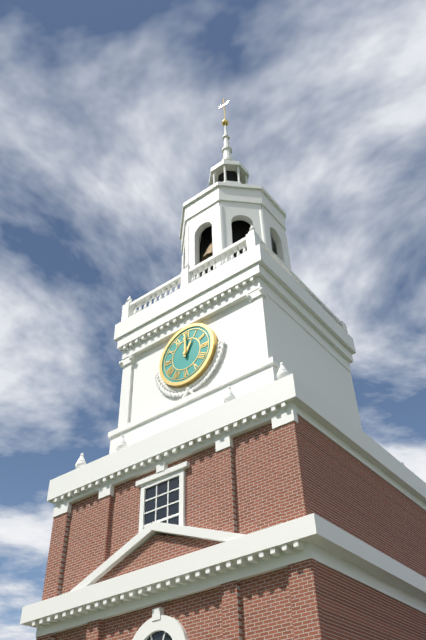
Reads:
{"hour": 1, "minute": 0}
